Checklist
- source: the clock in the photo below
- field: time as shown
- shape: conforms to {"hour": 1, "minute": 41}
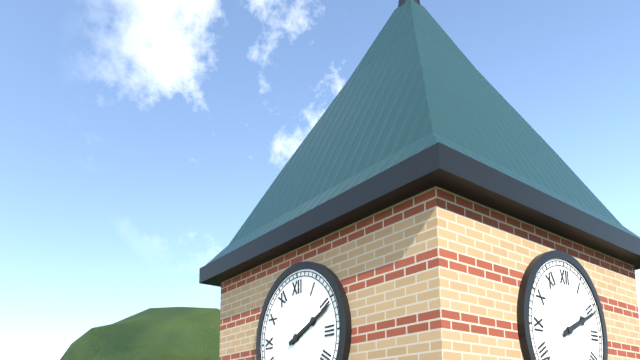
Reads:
{"hour": 2, "minute": 11}
